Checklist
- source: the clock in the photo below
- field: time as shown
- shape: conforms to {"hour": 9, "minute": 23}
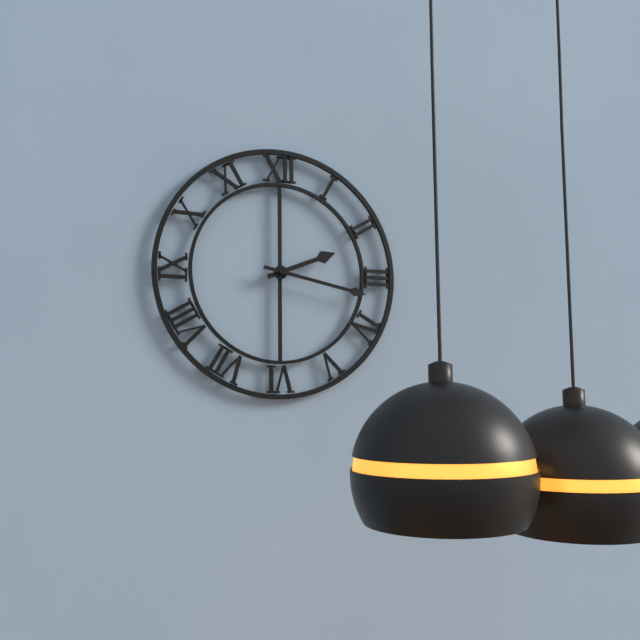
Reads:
{"hour": 2, "minute": 17}
